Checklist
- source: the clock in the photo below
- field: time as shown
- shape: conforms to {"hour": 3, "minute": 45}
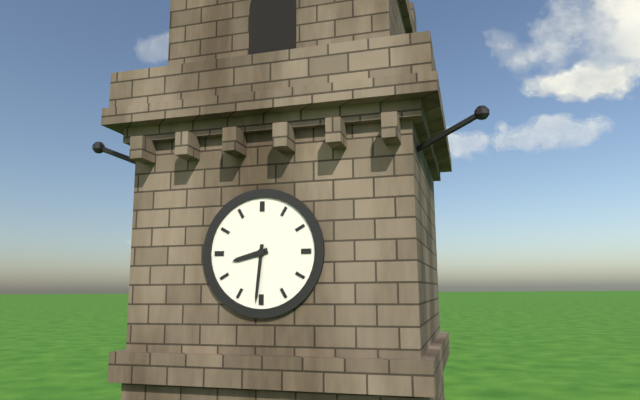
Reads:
{"hour": 8, "minute": 31}
